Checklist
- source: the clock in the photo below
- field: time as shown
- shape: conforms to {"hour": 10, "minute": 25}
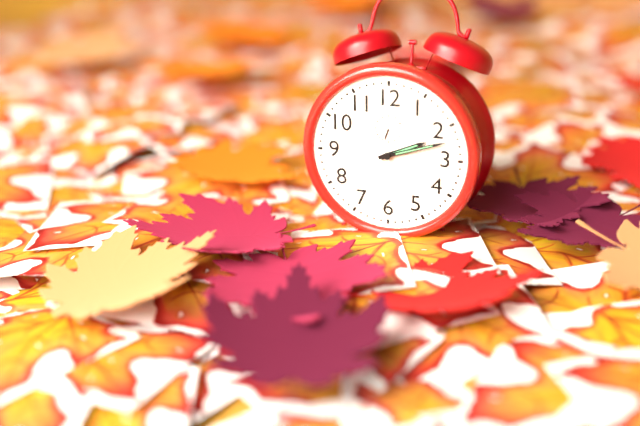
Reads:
{"hour": 2, "minute": 12}
